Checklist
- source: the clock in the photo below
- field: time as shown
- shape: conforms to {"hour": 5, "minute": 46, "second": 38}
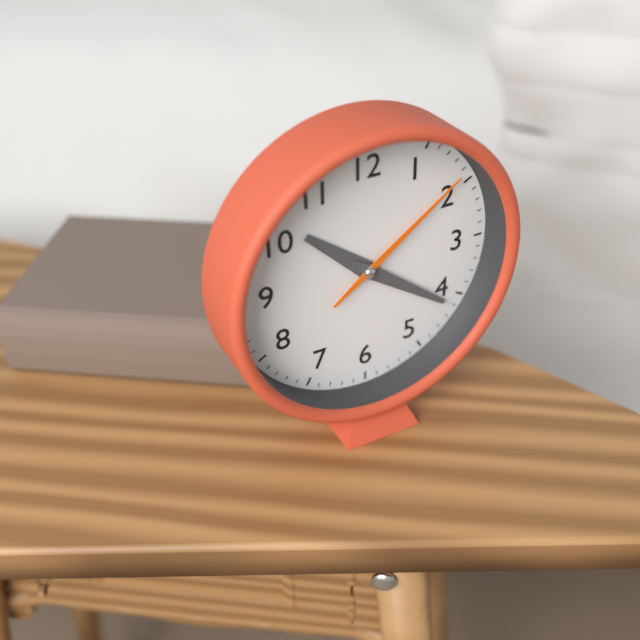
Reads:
{"hour": 10, "minute": 21, "second": 9}
